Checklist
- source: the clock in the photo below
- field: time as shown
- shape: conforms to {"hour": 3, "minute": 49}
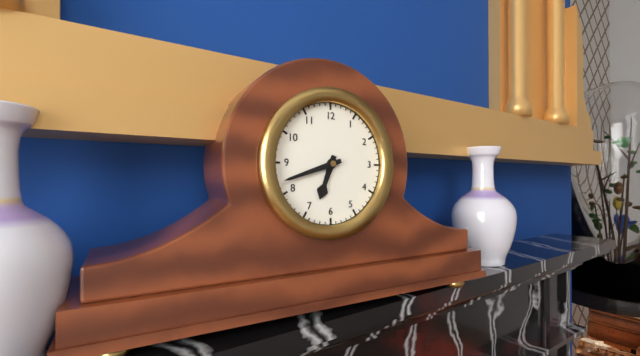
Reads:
{"hour": 6, "minute": 42}
